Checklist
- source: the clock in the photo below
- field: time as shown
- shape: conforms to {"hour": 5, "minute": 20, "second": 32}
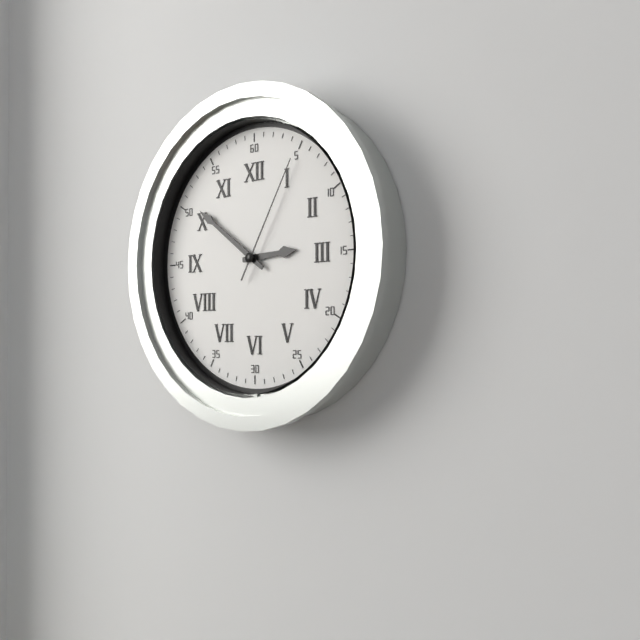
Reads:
{"hour": 2, "minute": 51, "second": 5}
